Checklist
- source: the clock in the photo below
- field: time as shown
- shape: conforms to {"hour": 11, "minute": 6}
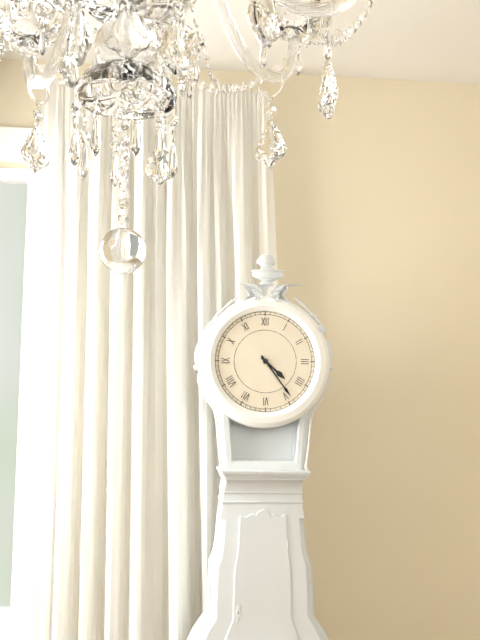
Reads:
{"hour": 4, "minute": 24}
